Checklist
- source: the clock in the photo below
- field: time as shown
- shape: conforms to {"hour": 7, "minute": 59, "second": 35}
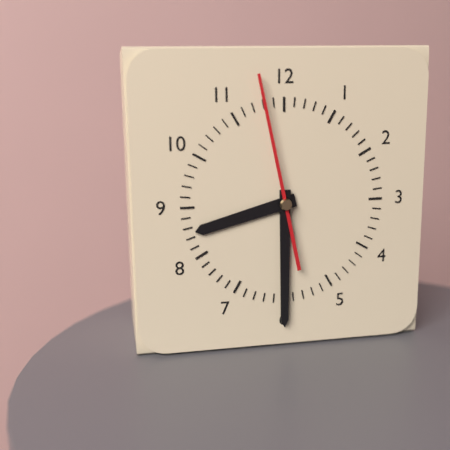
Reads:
{"hour": 8, "minute": 30, "second": 58}
